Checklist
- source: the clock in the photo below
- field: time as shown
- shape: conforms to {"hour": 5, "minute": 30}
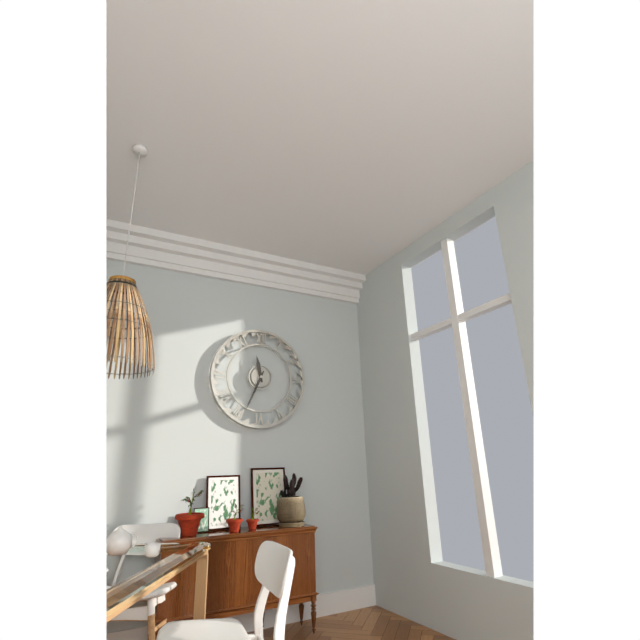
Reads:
{"hour": 11, "minute": 34}
